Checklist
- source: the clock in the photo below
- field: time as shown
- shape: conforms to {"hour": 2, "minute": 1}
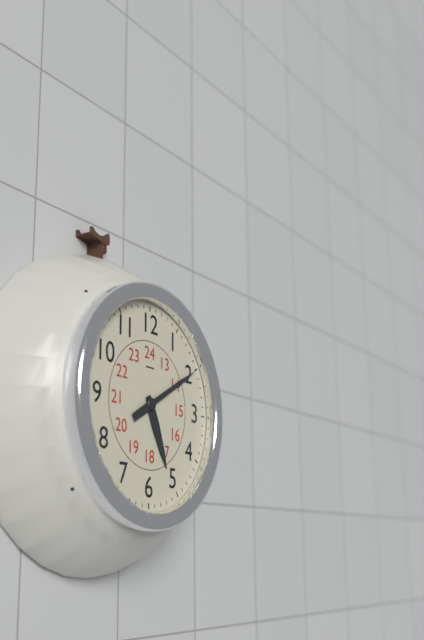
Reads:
{"hour": 5, "minute": 10}
